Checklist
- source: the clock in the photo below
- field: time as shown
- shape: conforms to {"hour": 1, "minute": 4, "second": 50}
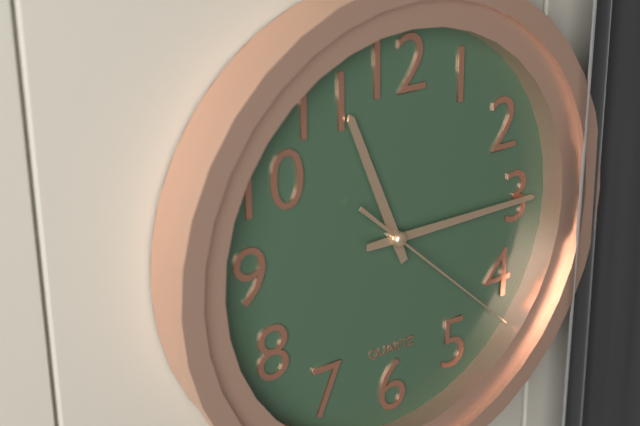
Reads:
{"hour": 11, "minute": 15, "second": 22}
